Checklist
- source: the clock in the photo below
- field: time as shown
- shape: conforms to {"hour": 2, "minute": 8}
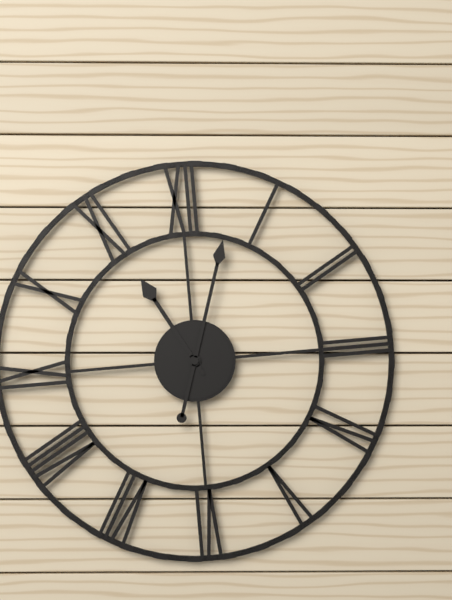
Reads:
{"hour": 11, "minute": 3}
